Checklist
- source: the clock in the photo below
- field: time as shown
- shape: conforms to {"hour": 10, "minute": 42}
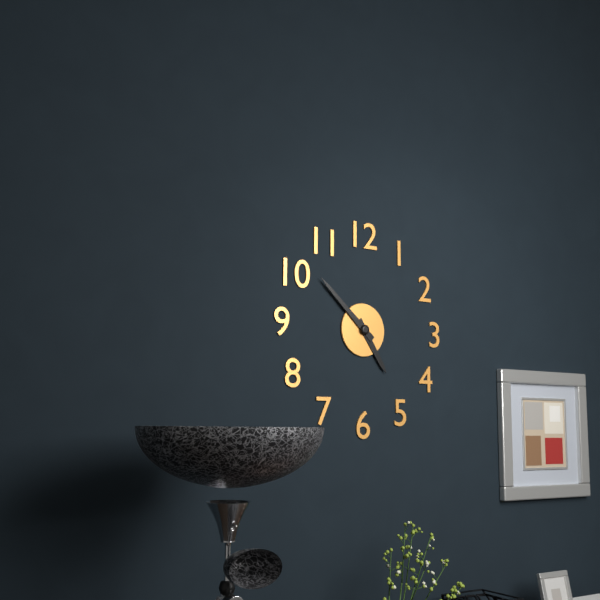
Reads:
{"hour": 4, "minute": 52}
